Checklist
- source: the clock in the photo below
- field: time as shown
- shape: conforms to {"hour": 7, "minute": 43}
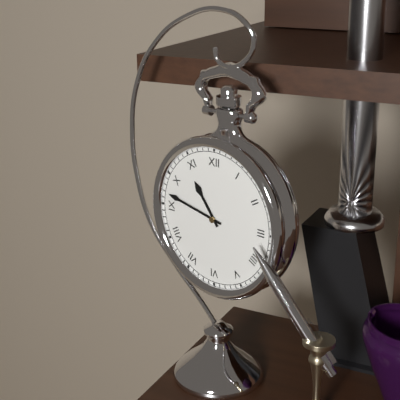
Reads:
{"hour": 10, "minute": 47}
